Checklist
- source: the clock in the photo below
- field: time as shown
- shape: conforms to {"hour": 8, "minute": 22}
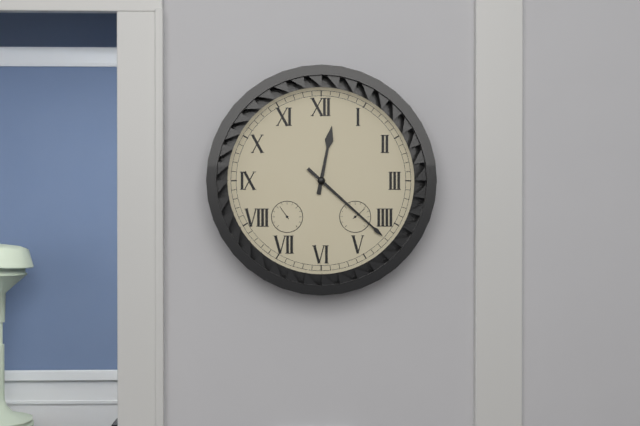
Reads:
{"hour": 12, "minute": 22}
